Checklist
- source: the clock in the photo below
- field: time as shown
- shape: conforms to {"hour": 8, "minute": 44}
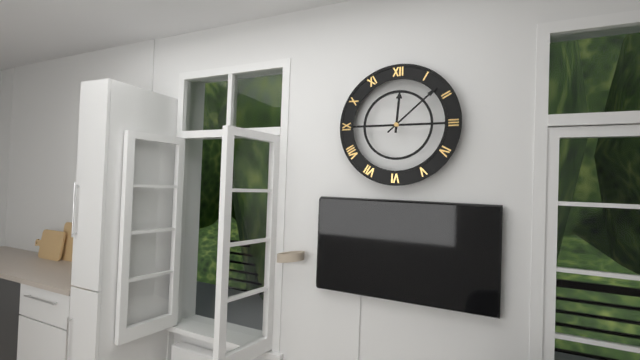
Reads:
{"hour": 12, "minute": 8}
